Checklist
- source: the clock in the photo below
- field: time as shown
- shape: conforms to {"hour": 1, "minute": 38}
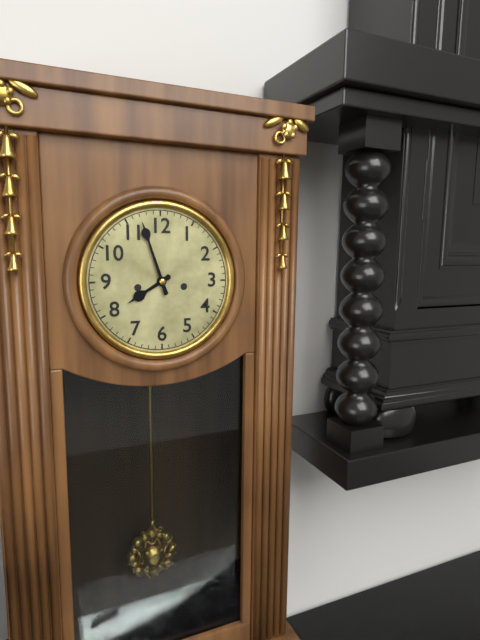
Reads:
{"hour": 7, "minute": 57}
